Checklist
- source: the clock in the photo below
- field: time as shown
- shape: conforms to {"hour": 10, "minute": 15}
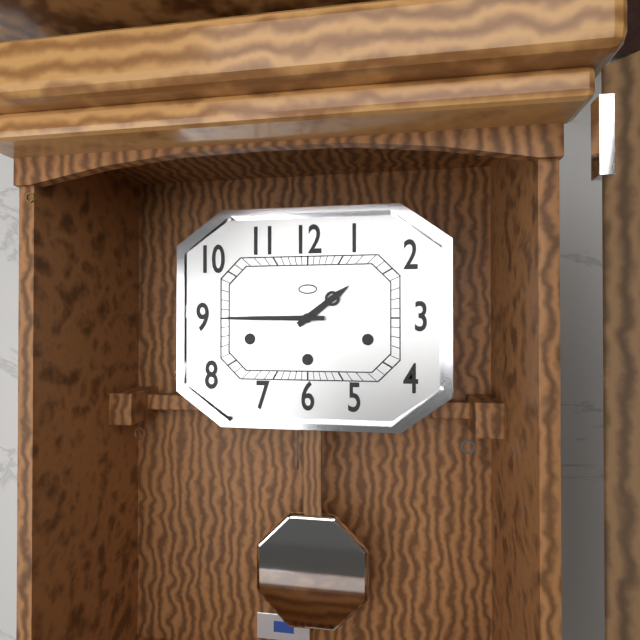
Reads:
{"hour": 1, "minute": 45}
